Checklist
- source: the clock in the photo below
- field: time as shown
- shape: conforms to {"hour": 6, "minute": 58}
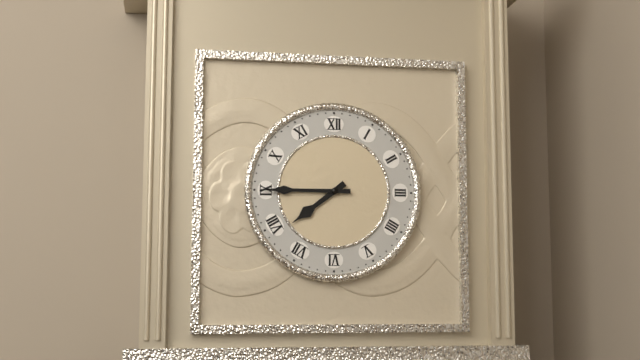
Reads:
{"hour": 7, "minute": 45}
